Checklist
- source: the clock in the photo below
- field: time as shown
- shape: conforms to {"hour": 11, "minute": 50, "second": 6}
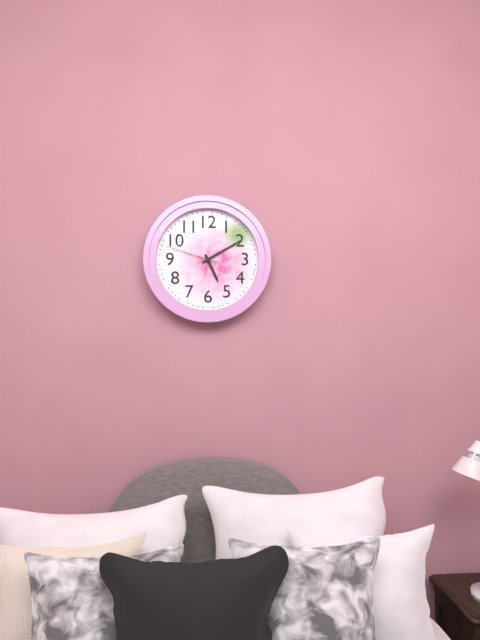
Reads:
{"hour": 5, "minute": 10, "second": 48}
